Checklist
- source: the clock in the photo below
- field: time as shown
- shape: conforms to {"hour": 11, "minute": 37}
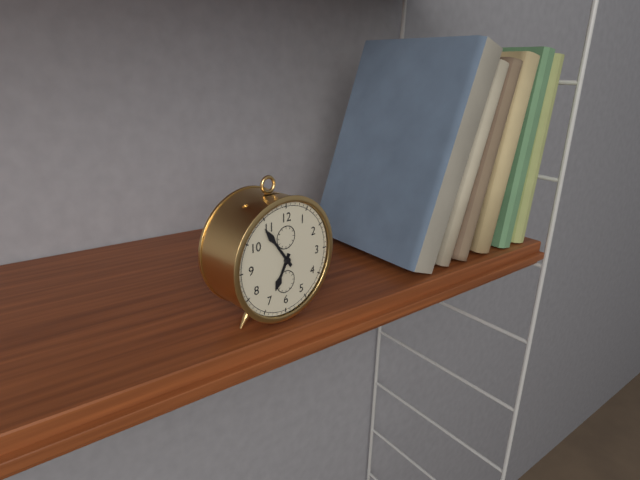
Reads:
{"hour": 6, "minute": 54}
